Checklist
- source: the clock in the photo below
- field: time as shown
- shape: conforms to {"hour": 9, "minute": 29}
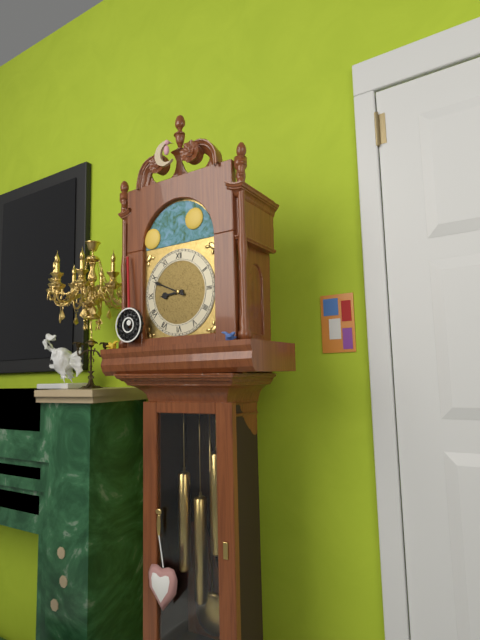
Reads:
{"hour": 8, "minute": 49}
